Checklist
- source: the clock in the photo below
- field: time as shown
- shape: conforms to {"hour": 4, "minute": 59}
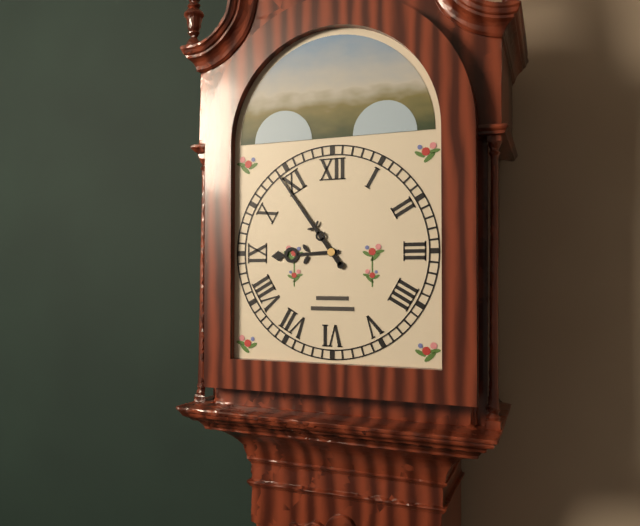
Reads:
{"hour": 8, "minute": 54}
